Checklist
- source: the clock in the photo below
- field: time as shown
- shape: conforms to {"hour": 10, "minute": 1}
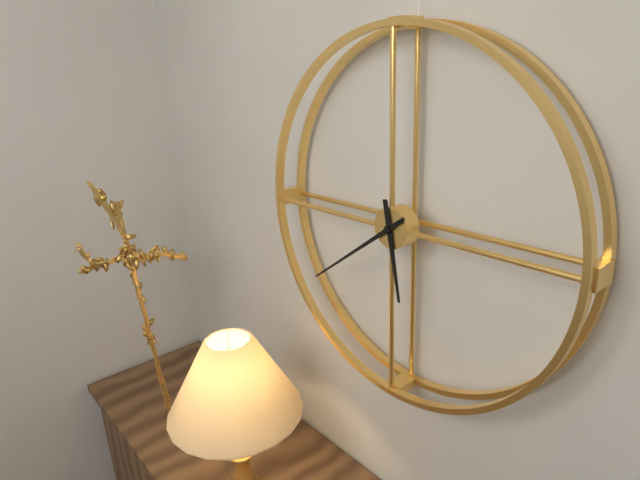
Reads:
{"hour": 5, "minute": 39}
